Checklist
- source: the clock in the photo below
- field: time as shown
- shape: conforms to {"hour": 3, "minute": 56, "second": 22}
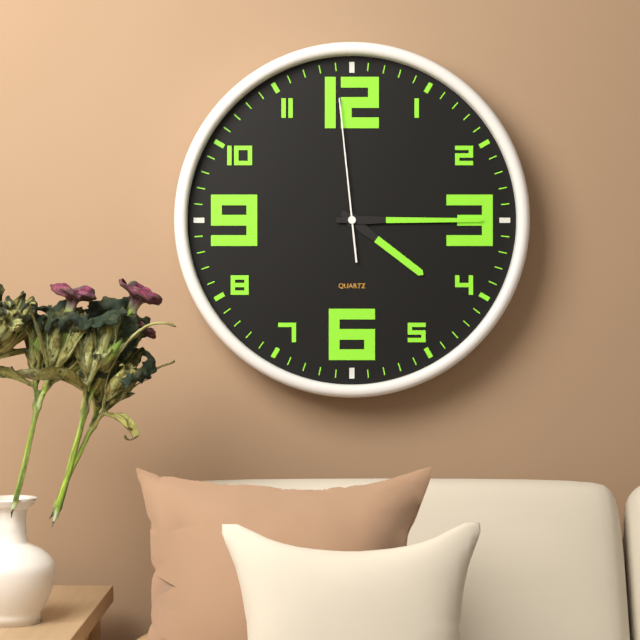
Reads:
{"hour": 4, "minute": 15, "second": 59}
